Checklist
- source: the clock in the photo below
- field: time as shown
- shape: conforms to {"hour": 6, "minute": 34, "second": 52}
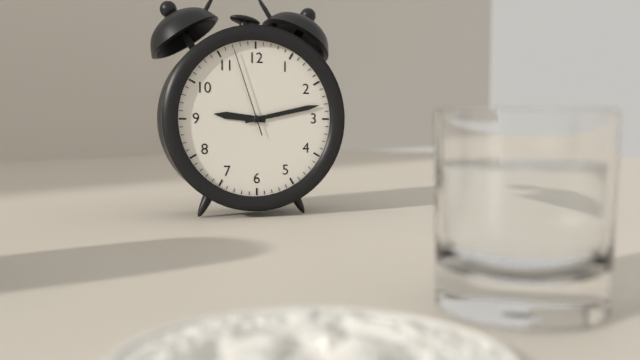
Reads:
{"hour": 9, "minute": 13, "second": 57}
